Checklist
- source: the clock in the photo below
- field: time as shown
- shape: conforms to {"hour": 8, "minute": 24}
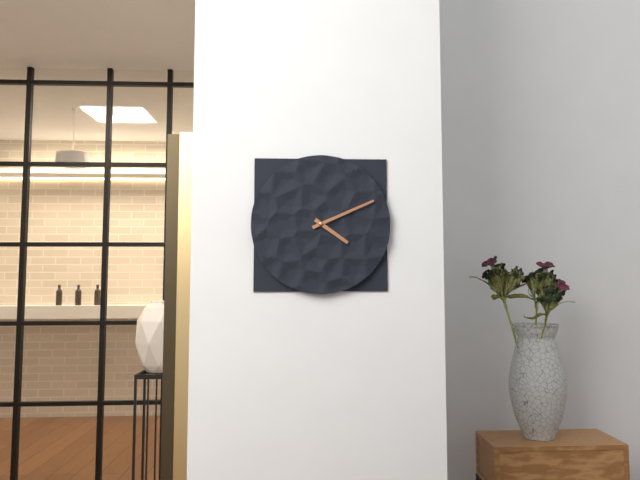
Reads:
{"hour": 4, "minute": 11}
